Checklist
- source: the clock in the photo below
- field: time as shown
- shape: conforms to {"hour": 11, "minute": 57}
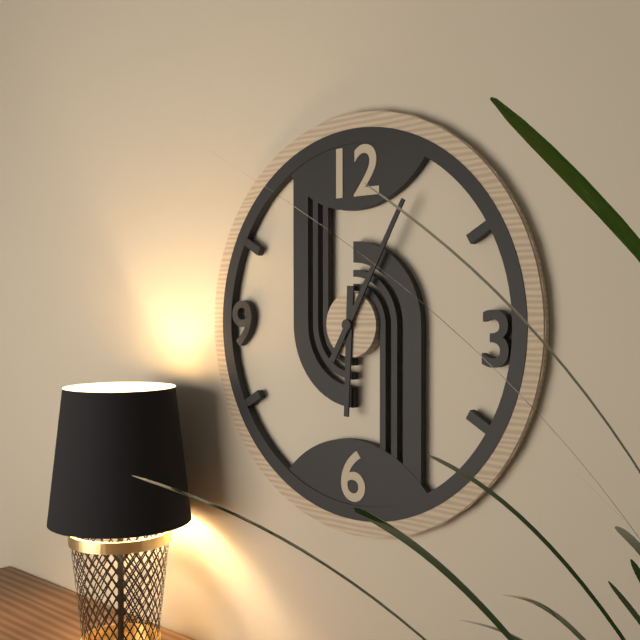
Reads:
{"hour": 6, "minute": 5}
